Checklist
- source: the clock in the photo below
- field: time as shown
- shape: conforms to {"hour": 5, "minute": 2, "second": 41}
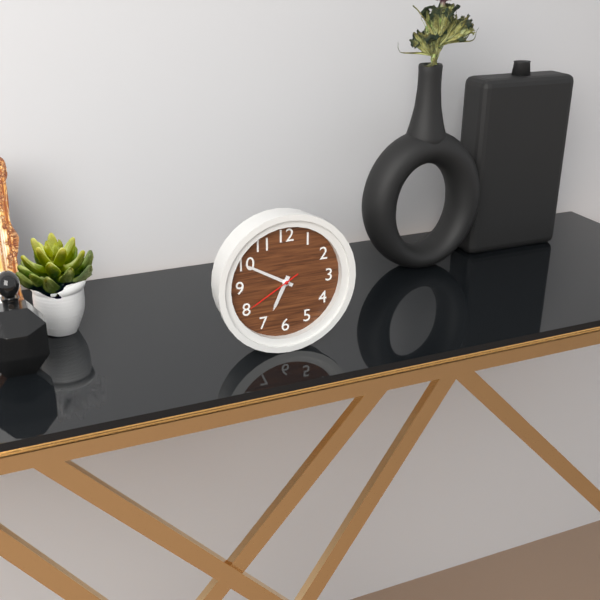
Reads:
{"hour": 6, "minute": 50, "second": 40}
